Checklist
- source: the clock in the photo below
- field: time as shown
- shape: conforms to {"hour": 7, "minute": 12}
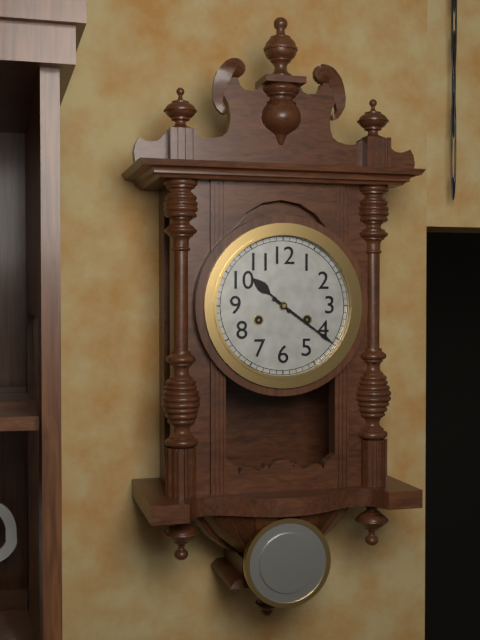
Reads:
{"hour": 10, "minute": 21}
